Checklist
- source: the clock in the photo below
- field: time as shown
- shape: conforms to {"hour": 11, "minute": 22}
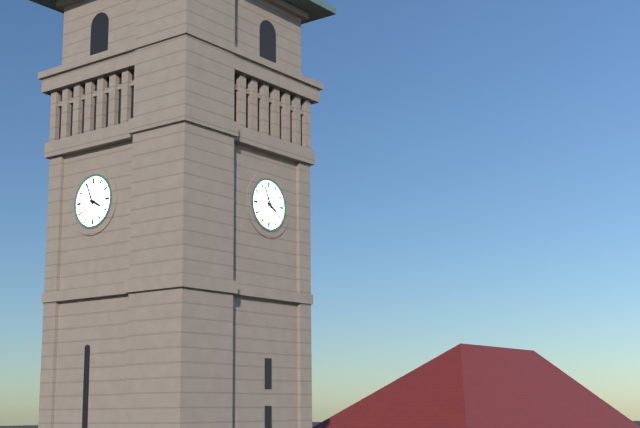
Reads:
{"hour": 3, "minute": 56}
